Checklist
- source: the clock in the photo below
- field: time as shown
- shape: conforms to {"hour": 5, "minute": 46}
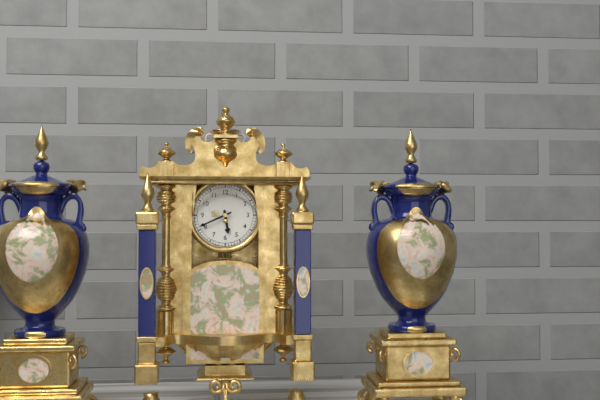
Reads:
{"hour": 5, "minute": 41}
